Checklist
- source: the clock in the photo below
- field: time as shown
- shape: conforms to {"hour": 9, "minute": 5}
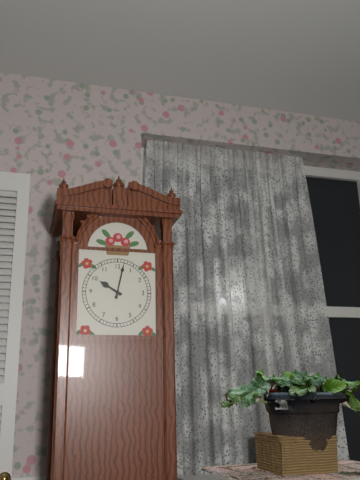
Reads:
{"hour": 10, "minute": 2}
